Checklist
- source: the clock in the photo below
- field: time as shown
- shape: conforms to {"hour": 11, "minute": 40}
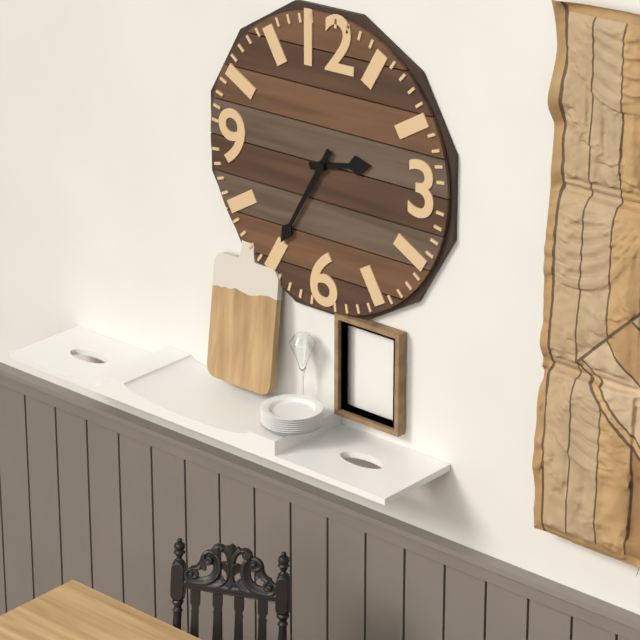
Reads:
{"hour": 2, "minute": 35}
